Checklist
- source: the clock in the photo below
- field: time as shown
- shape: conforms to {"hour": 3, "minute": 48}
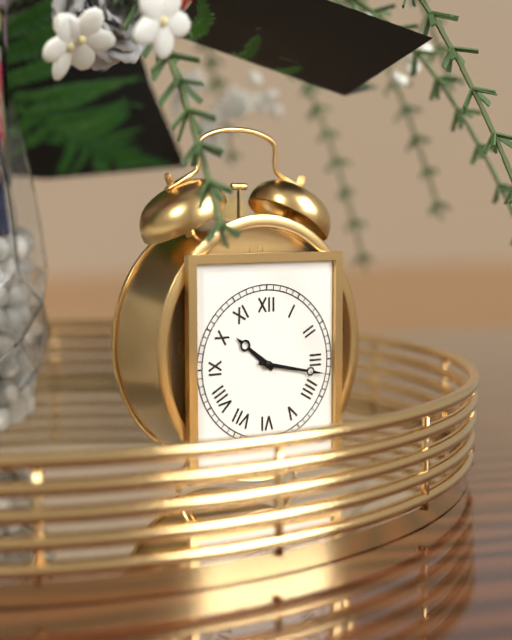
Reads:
{"hour": 10, "minute": 17}
